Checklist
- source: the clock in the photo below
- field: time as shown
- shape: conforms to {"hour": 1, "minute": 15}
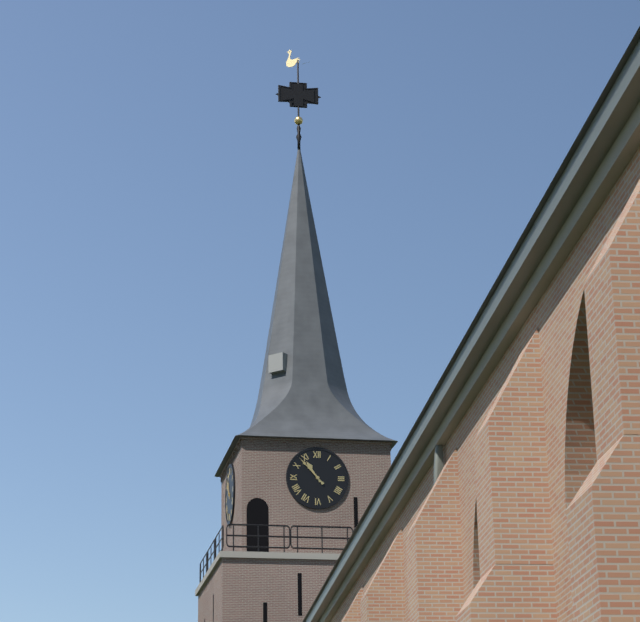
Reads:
{"hour": 10, "minute": 53}
